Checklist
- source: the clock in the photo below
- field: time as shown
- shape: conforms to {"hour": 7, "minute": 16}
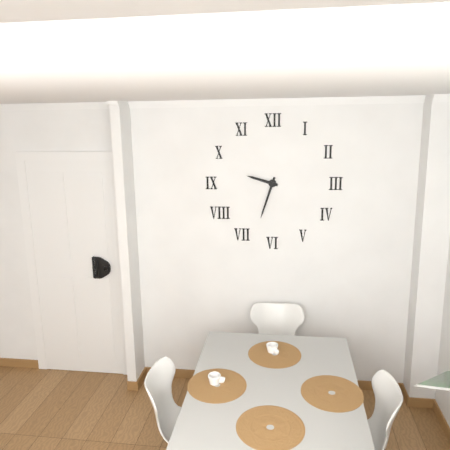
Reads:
{"hour": 9, "minute": 33}
